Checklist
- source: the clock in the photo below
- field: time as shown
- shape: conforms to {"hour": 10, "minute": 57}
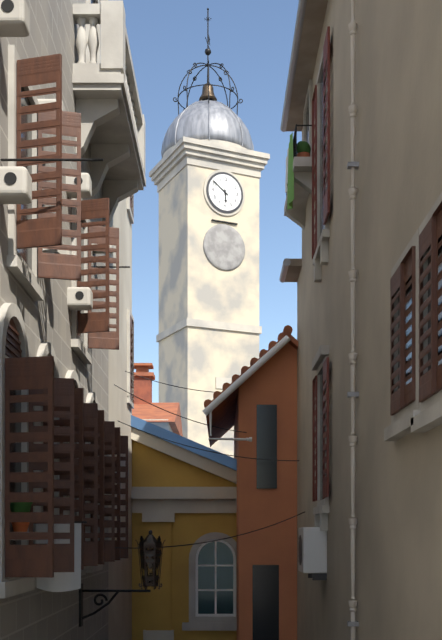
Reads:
{"hour": 5, "minute": 51}
